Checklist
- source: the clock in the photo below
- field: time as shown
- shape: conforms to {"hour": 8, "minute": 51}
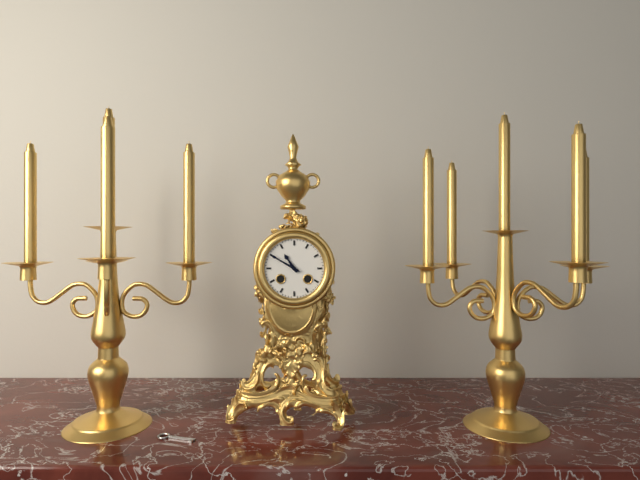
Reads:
{"hour": 10, "minute": 50}
